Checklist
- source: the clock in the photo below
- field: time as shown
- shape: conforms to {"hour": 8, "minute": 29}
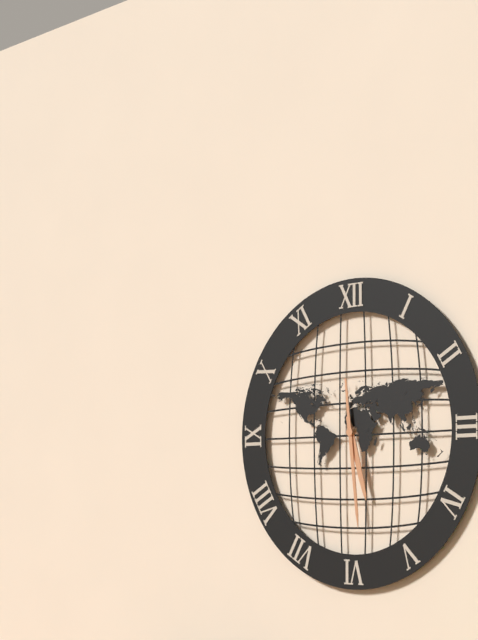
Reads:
{"hour": 5, "minute": 29}
